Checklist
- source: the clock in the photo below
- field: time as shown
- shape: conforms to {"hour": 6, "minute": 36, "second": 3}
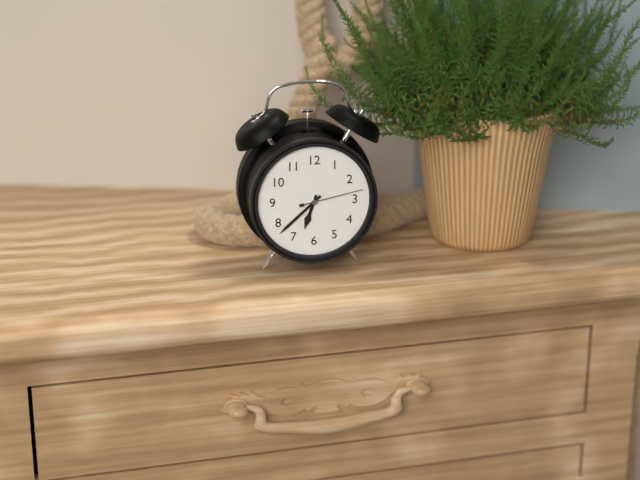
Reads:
{"hour": 6, "minute": 38, "second": 13}
